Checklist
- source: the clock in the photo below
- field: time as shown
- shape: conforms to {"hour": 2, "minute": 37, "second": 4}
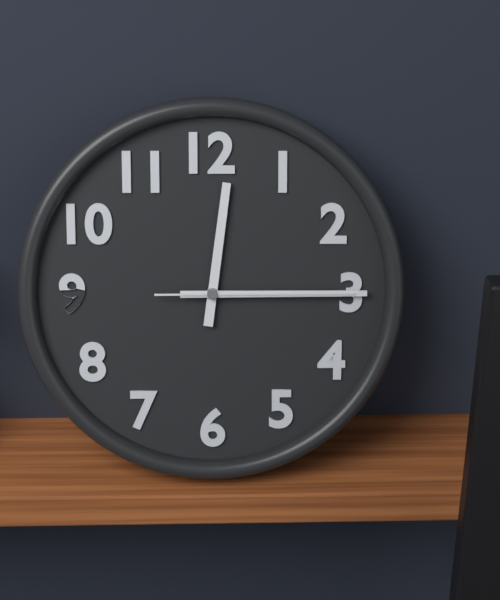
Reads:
{"hour": 12, "minute": 15, "second": 15}
